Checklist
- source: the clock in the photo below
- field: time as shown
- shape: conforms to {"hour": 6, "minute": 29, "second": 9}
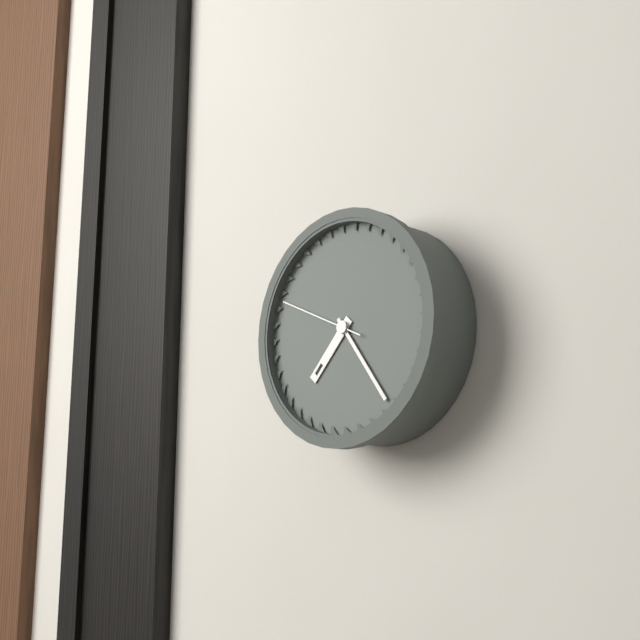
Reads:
{"hour": 7, "minute": 24, "second": 49}
